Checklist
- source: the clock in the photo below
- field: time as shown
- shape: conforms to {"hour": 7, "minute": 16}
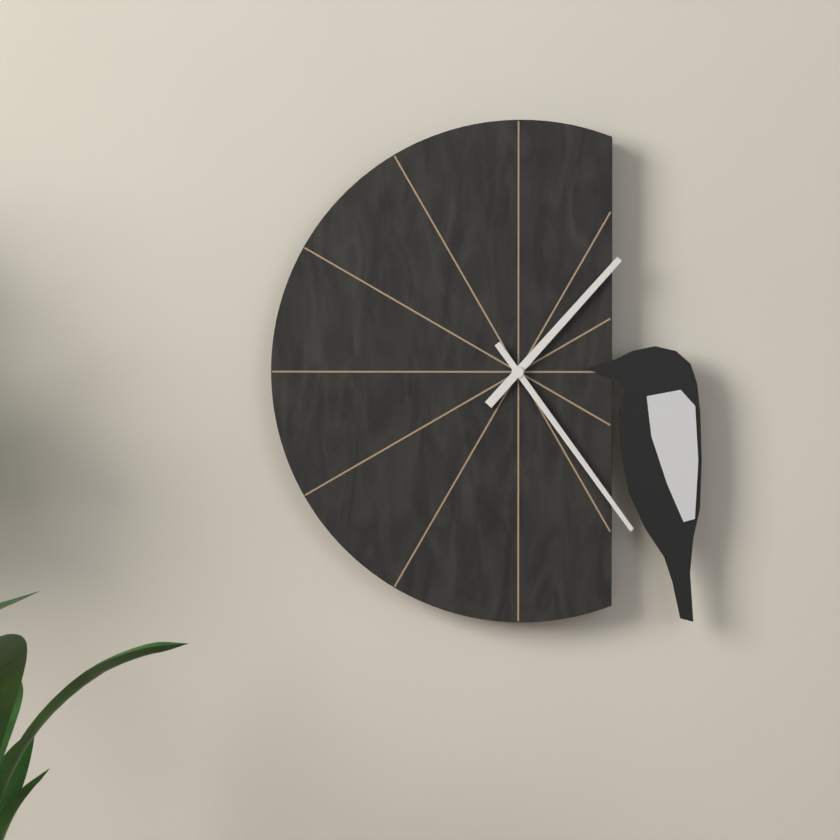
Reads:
{"hour": 1, "minute": 24}
